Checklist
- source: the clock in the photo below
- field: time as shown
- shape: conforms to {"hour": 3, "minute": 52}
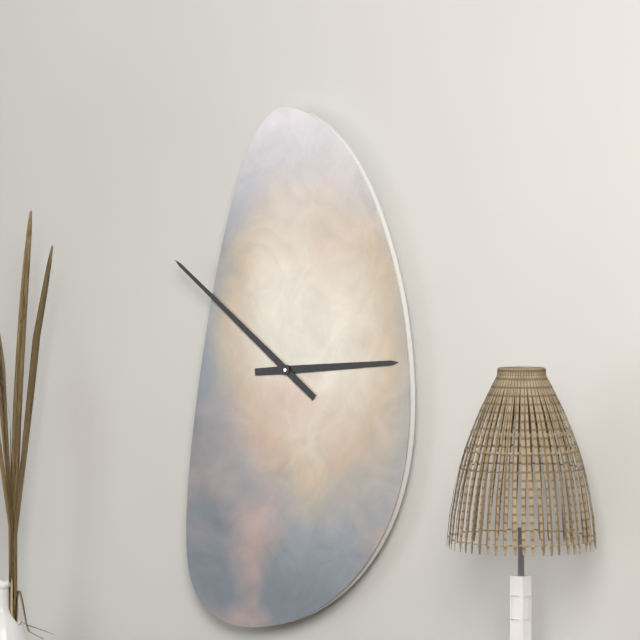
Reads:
{"hour": 2, "minute": 51}
